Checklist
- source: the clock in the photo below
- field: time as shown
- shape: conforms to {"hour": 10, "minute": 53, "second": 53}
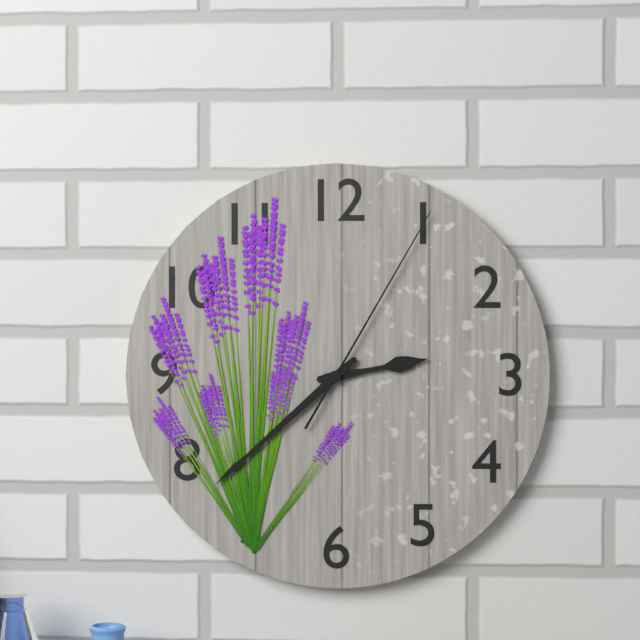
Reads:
{"hour": 2, "minute": 38, "second": 5}
